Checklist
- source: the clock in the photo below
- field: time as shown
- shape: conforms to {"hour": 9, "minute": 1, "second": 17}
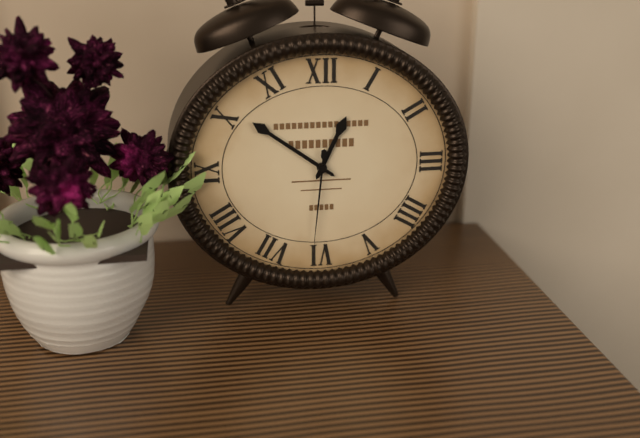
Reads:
{"hour": 12, "minute": 51, "second": 31}
